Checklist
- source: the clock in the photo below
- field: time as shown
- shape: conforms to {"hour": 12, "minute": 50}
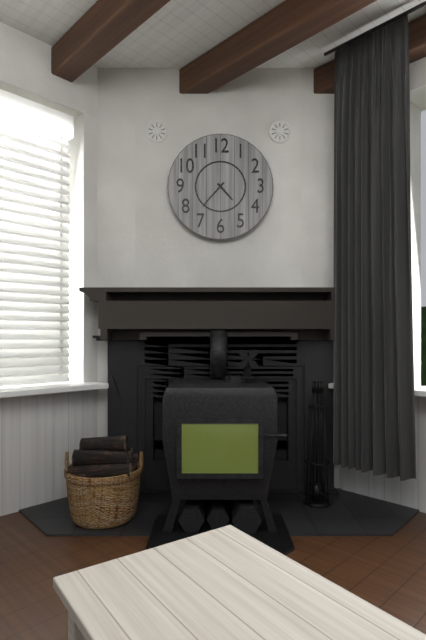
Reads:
{"hour": 4, "minute": 37}
